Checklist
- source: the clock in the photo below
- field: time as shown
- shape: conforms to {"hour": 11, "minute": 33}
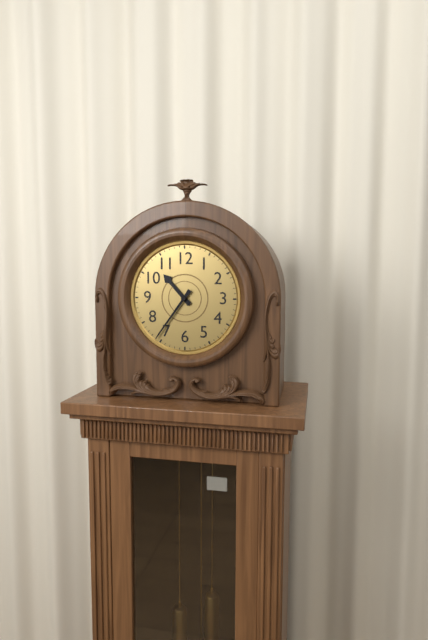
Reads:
{"hour": 10, "minute": 36}
